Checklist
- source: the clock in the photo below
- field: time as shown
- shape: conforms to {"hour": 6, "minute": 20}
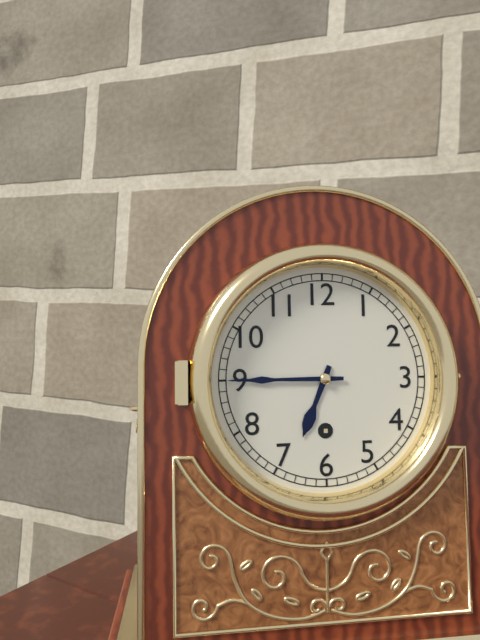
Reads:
{"hour": 6, "minute": 45}
